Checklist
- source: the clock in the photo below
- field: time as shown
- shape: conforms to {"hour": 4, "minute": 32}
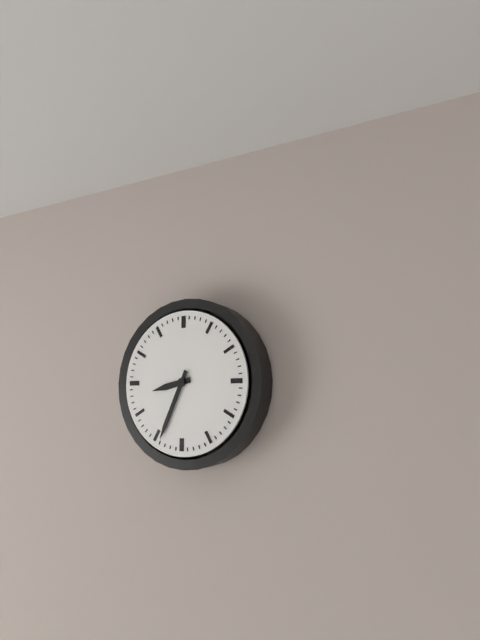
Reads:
{"hour": 8, "minute": 34}
